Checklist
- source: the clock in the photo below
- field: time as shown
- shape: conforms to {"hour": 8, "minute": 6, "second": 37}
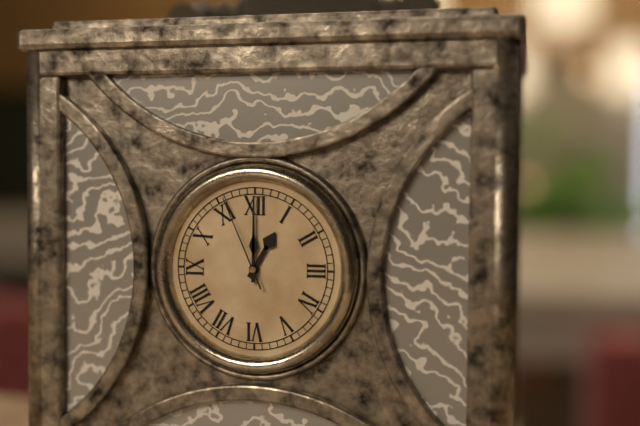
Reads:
{"hour": 1, "minute": 0, "second": 56}
